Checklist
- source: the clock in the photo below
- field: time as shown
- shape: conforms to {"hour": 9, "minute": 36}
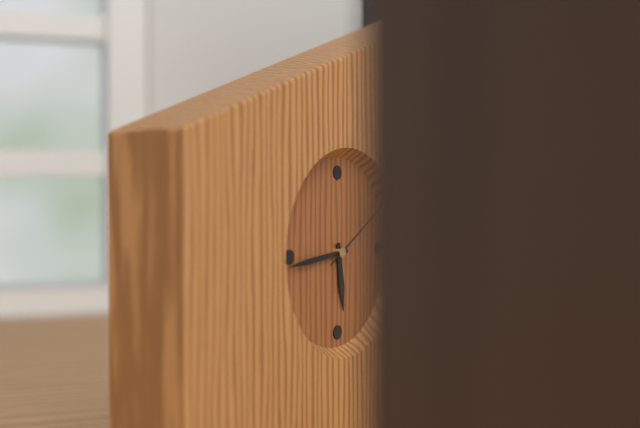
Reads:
{"hour": 5, "minute": 44}
